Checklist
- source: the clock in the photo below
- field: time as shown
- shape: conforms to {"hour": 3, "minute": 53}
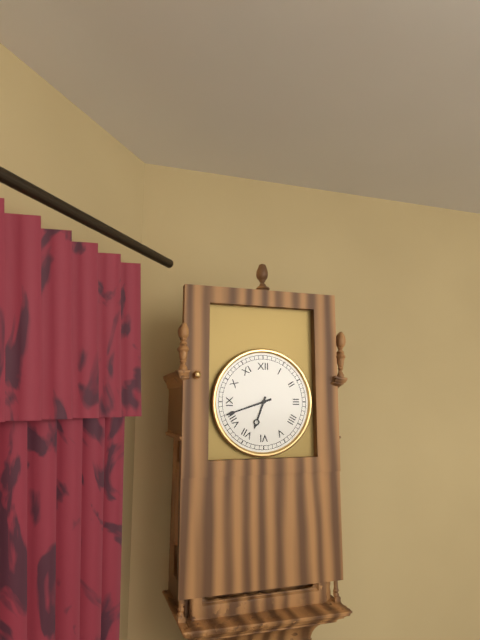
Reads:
{"hour": 6, "minute": 42}
